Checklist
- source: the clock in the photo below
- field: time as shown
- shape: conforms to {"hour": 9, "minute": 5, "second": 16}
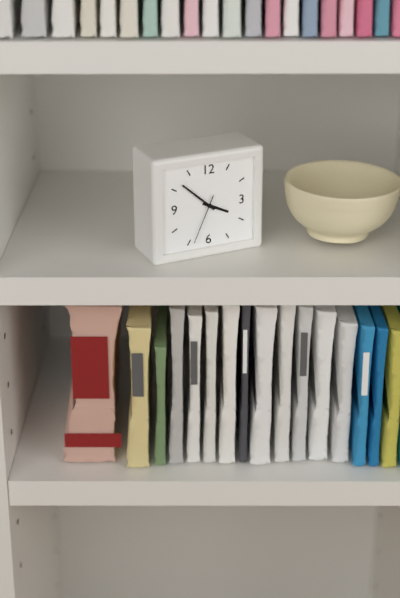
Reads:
{"hour": 3, "minute": 52, "second": 34}
